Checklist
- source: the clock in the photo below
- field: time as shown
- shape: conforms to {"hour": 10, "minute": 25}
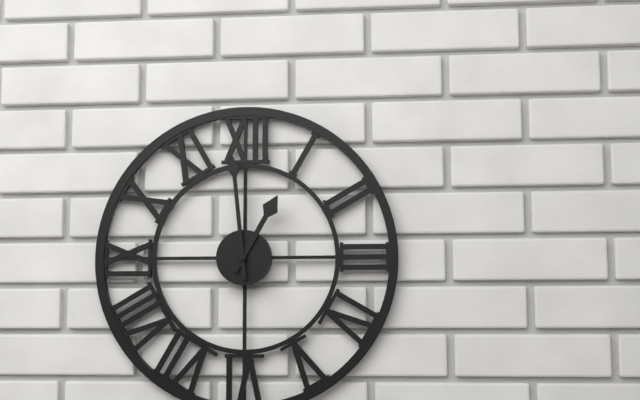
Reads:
{"hour": 12, "minute": 59}
